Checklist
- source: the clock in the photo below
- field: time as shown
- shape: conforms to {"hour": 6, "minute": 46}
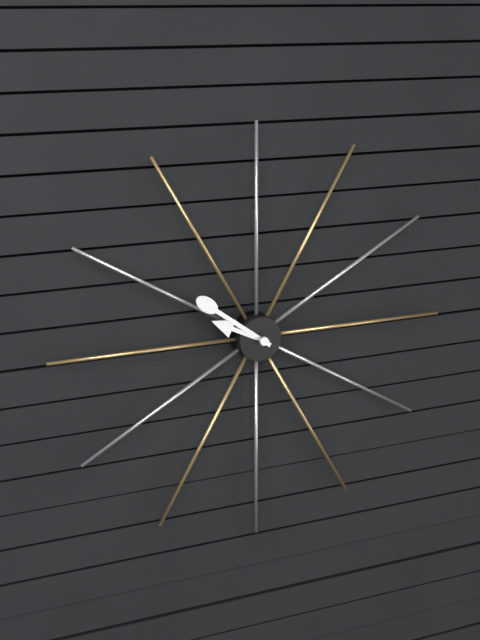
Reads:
{"hour": 9, "minute": 51}
